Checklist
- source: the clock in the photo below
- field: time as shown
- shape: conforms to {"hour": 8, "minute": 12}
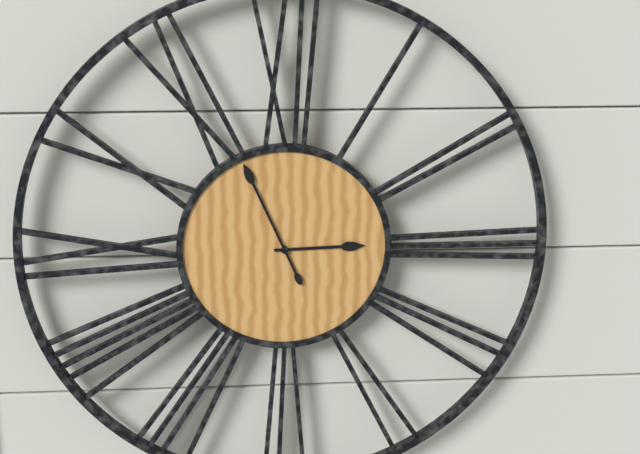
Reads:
{"hour": 2, "minute": 56}
